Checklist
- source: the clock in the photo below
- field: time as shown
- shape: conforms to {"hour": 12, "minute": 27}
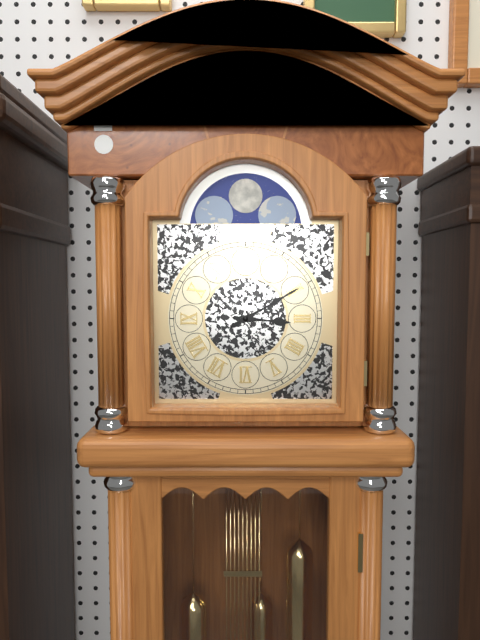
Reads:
{"hour": 3, "minute": 10}
